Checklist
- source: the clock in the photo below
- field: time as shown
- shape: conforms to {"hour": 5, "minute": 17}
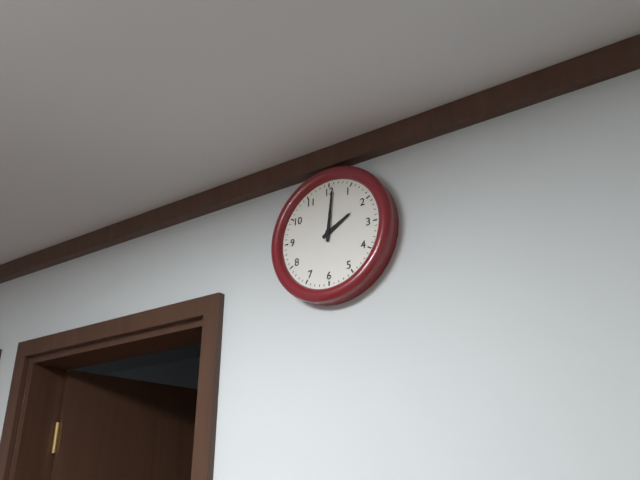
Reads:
{"hour": 2, "minute": 1}
